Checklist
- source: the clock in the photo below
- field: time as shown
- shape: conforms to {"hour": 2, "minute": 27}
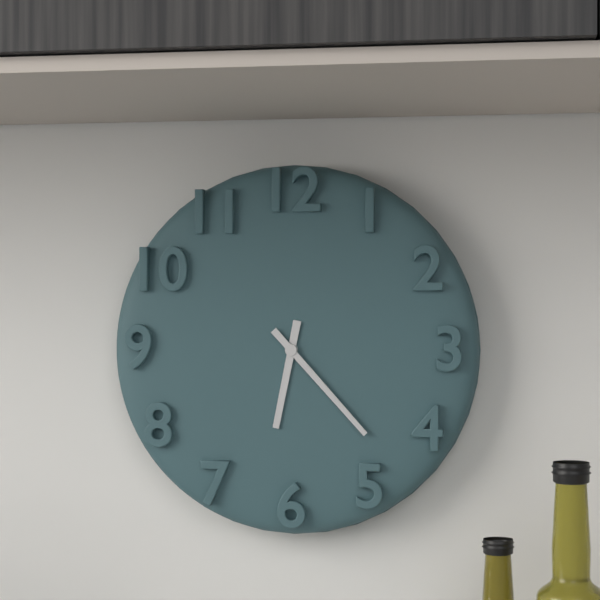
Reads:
{"hour": 6, "minute": 23}
